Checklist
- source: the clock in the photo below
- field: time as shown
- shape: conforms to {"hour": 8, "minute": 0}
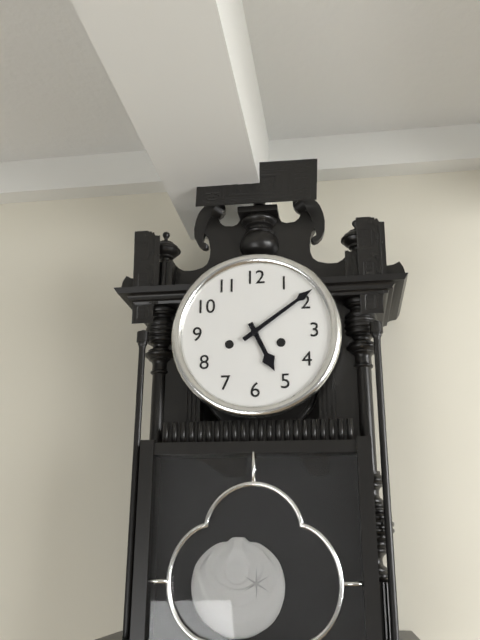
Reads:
{"hour": 5, "minute": 9}
